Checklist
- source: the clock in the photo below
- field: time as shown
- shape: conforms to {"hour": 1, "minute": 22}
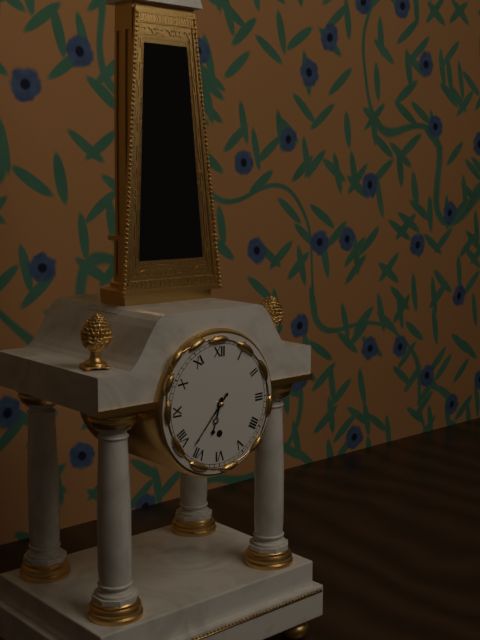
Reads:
{"hour": 6, "minute": 37}
